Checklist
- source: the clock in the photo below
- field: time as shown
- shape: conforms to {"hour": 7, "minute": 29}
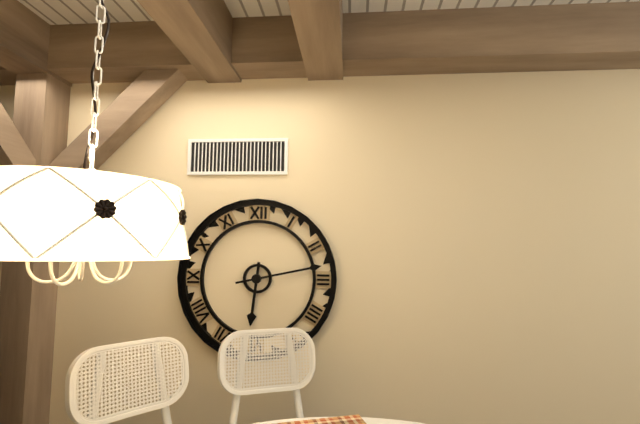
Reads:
{"hour": 6, "minute": 13}
